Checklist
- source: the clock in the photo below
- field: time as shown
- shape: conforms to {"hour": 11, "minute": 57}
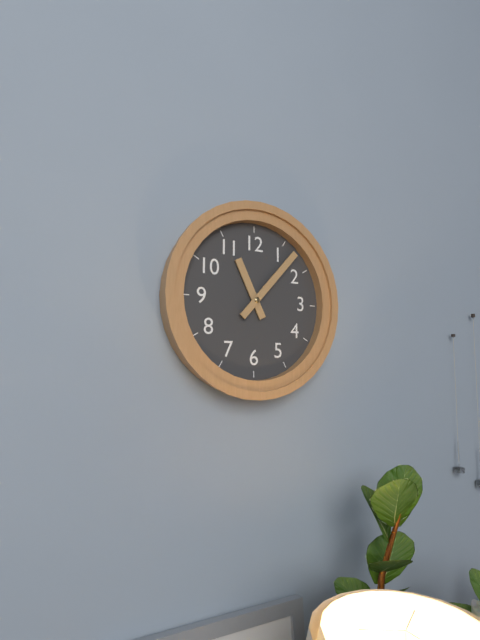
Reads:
{"hour": 11, "minute": 7}
